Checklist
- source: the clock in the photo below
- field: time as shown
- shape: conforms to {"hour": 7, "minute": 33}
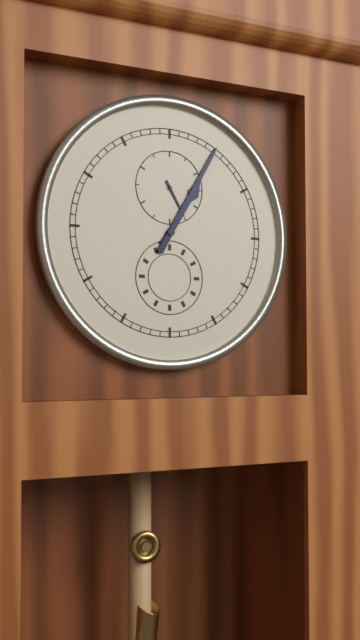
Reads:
{"hour": 1, "minute": 5}
